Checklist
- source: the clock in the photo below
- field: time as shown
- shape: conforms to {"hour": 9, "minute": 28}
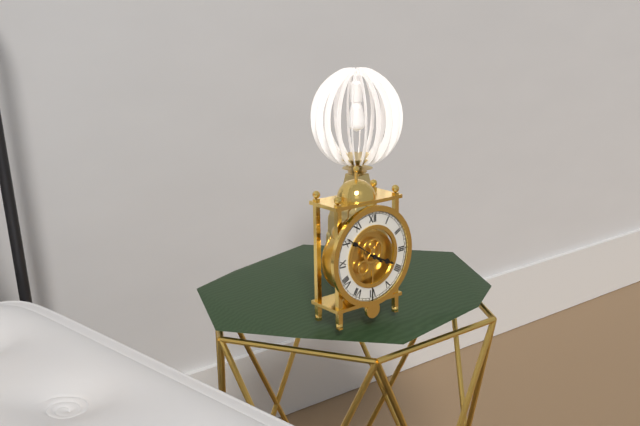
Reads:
{"hour": 3, "minute": 51}
